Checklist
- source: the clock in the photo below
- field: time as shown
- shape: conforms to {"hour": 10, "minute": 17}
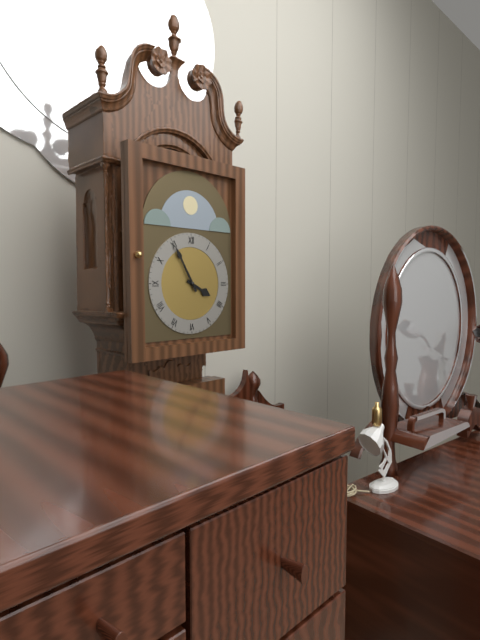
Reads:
{"hour": 3, "minute": 55}
